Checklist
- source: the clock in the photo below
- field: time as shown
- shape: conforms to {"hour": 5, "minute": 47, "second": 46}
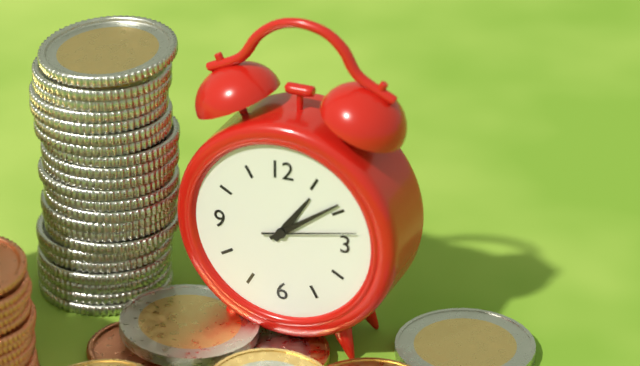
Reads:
{"hour": 1, "minute": 9, "second": 13}
